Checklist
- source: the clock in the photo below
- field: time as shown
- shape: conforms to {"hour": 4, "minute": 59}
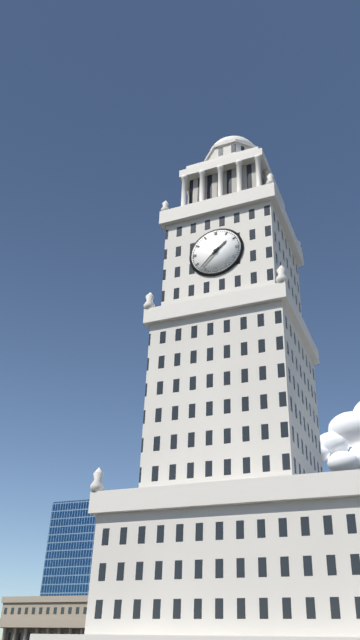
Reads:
{"hour": 1, "minute": 37}
